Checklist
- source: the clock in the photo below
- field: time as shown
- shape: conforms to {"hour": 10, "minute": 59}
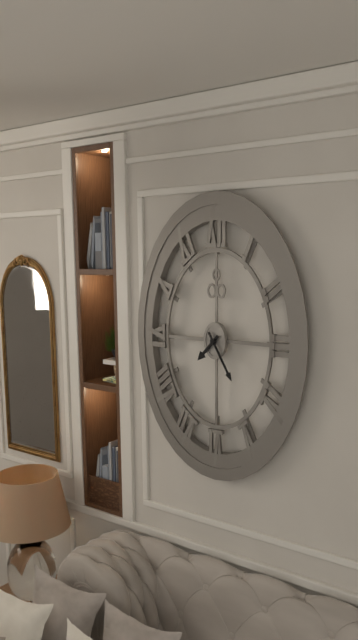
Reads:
{"hour": 7, "minute": 25}
